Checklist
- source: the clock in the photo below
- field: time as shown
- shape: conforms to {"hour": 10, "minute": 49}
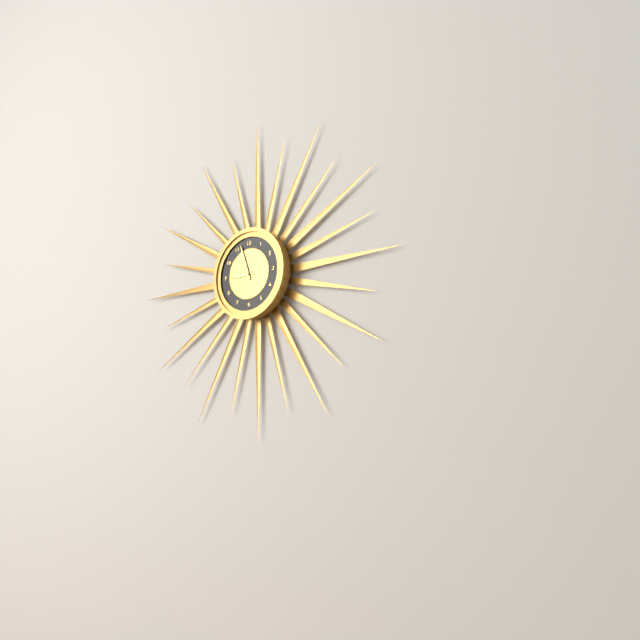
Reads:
{"hour": 8, "minute": 57}
